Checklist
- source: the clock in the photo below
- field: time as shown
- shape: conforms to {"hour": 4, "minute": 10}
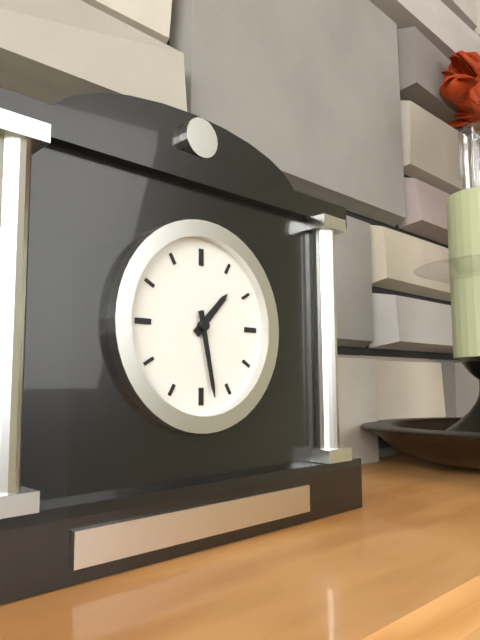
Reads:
{"hour": 1, "minute": 28}
